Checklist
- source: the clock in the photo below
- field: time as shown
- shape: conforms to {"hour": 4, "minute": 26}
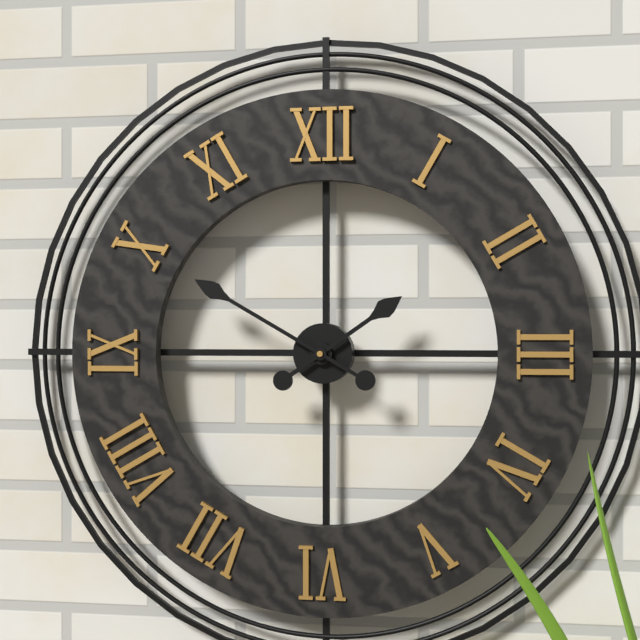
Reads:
{"hour": 1, "minute": 50}
